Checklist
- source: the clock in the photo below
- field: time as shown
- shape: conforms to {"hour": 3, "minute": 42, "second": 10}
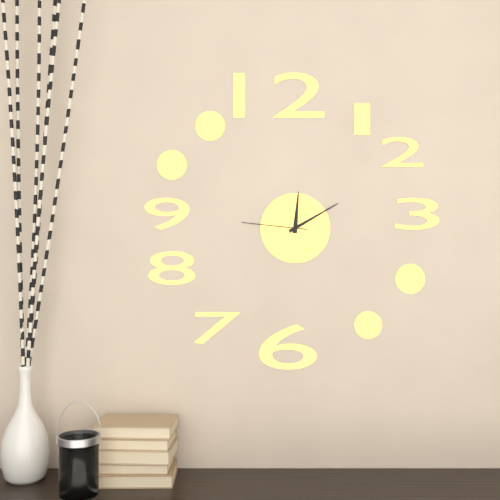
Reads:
{"hour": 12, "minute": 10, "second": 46}
